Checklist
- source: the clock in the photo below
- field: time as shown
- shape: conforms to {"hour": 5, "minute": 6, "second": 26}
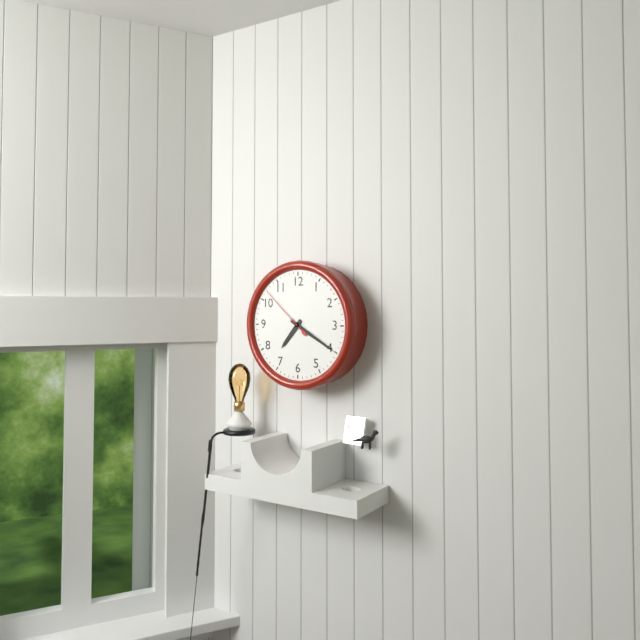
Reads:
{"hour": 7, "minute": 20, "second": 52}
